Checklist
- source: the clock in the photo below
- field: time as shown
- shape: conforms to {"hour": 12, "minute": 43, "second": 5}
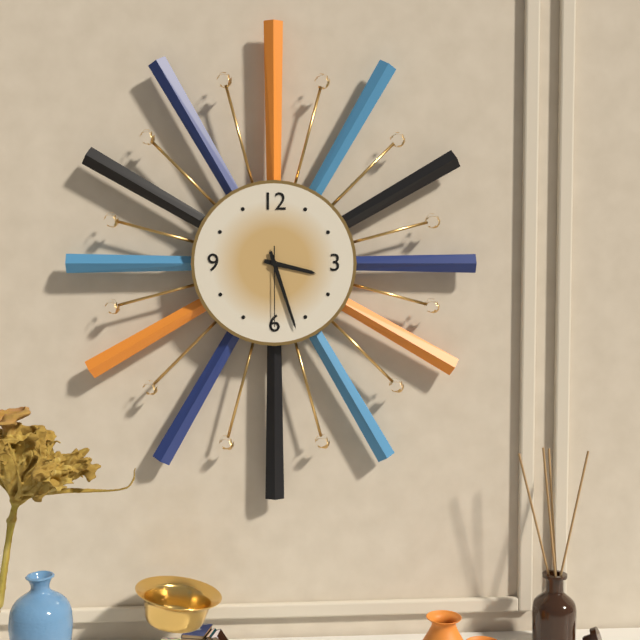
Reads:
{"hour": 3, "minute": 27, "second": 30}
